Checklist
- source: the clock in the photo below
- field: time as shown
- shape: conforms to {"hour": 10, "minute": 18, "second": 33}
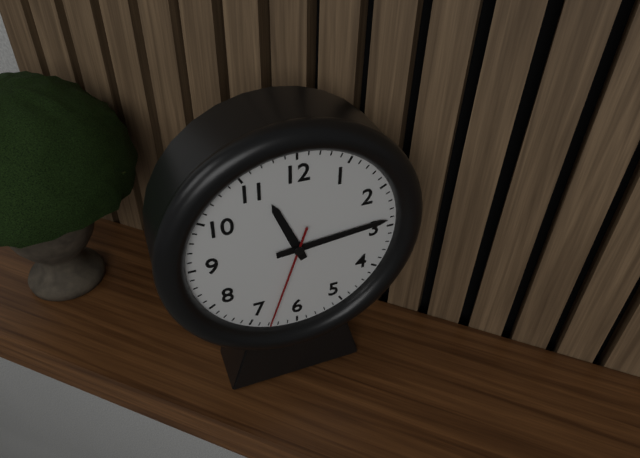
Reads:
{"hour": 11, "minute": 14, "second": 33}
